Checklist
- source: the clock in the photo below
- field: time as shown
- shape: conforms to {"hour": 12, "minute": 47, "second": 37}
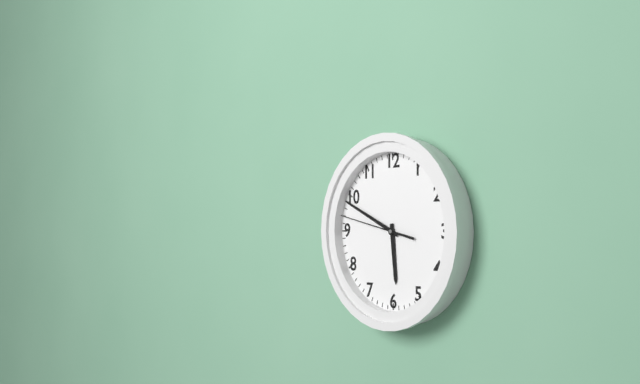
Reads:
{"hour": 5, "minute": 49, "second": 47}
